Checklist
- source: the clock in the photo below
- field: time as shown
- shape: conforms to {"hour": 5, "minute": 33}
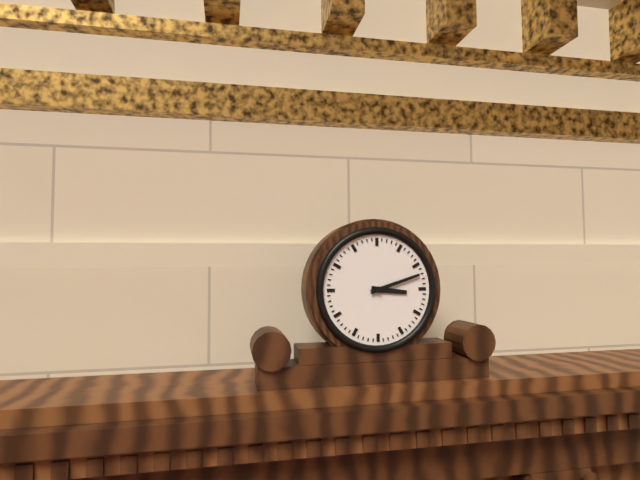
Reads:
{"hour": 3, "minute": 12}
